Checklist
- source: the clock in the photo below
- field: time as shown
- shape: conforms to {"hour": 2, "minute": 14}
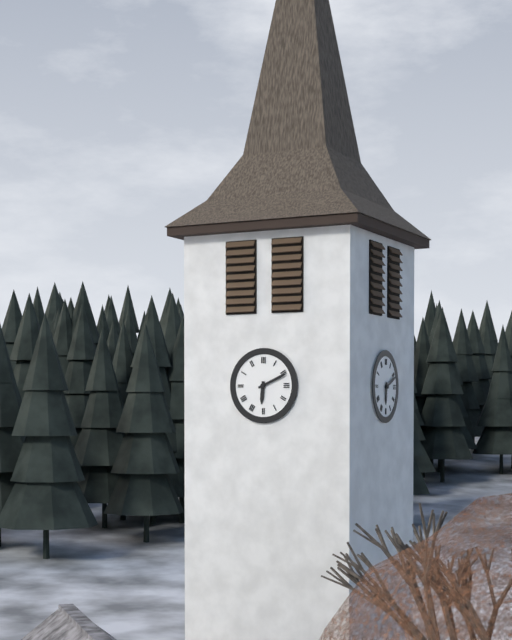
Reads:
{"hour": 6, "minute": 11}
